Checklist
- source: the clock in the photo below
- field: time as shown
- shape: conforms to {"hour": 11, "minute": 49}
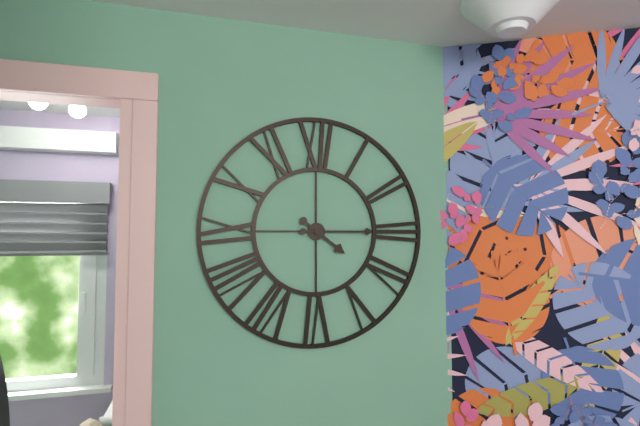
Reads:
{"hour": 4, "minute": 15}
